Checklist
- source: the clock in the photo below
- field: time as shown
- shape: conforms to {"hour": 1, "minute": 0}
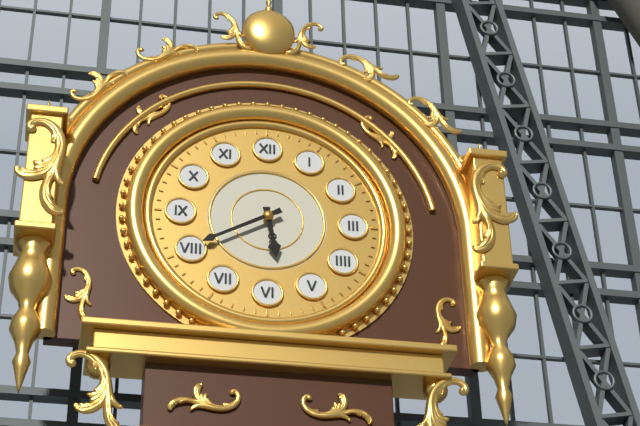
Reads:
{"hour": 5, "minute": 40}
